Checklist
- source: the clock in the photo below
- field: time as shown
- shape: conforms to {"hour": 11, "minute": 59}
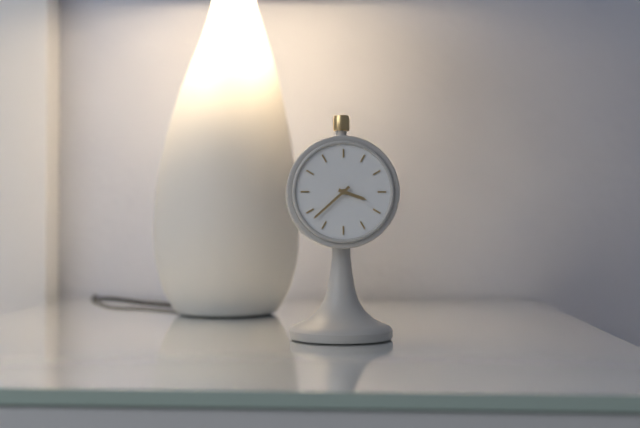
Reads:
{"hour": 3, "minute": 38}
